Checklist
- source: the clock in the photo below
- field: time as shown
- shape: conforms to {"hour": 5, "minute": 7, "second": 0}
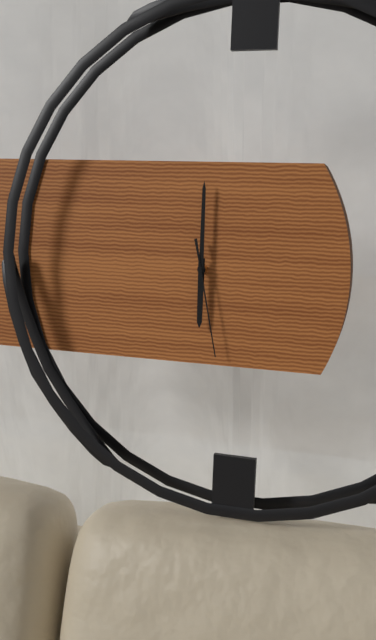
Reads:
{"hour": 6, "minute": 0, "second": 28}
